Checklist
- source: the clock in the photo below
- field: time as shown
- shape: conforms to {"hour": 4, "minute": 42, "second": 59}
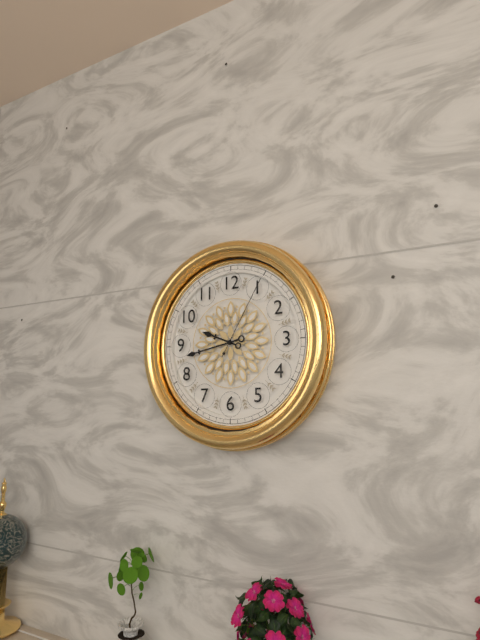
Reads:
{"hour": 9, "minute": 43, "second": 5}
